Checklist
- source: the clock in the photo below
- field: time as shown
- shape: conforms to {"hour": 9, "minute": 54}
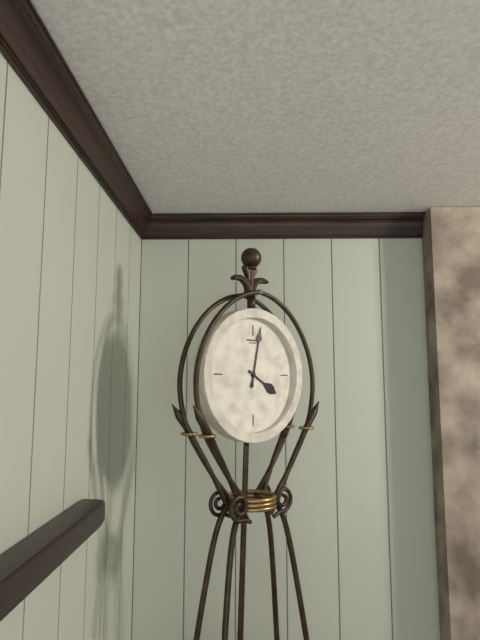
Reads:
{"hour": 4, "minute": 2}
